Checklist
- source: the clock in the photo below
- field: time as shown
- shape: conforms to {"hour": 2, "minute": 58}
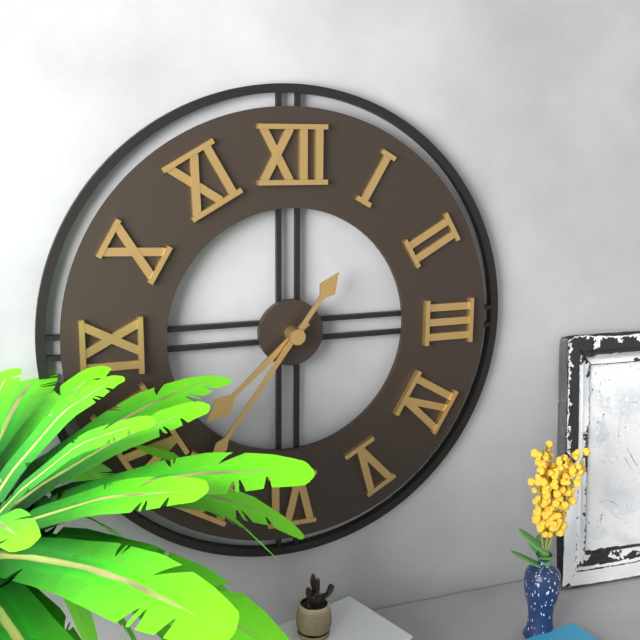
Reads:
{"hour": 7, "minute": 36}
